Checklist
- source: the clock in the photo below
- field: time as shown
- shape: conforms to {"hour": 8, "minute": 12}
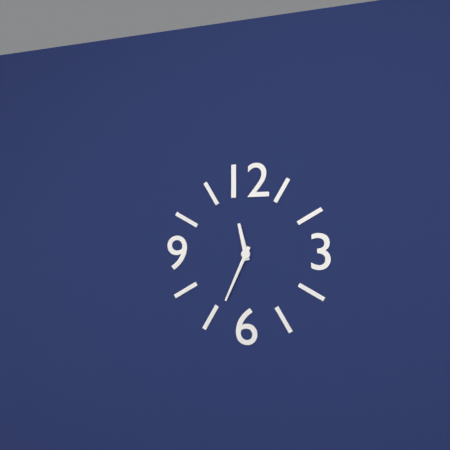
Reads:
{"hour": 11, "minute": 34}
